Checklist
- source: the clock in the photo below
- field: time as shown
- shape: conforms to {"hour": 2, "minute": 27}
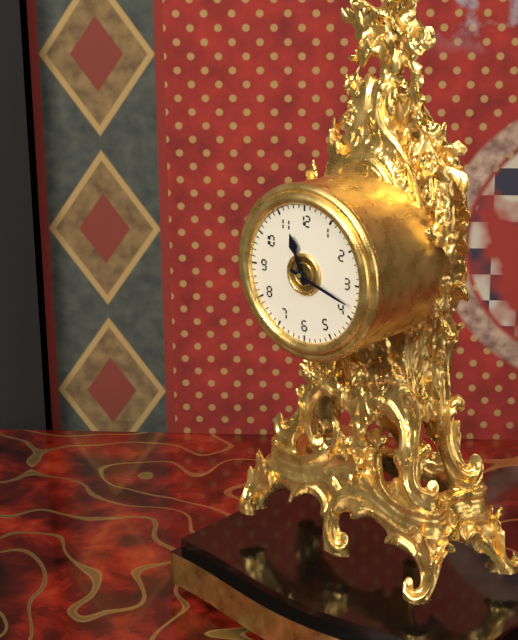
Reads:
{"hour": 11, "minute": 18}
